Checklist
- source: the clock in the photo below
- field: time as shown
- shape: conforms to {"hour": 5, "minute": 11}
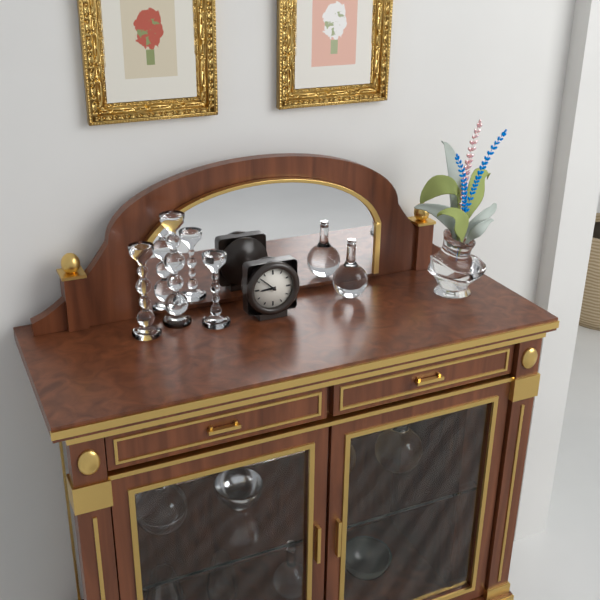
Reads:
{"hour": 8, "minute": 52}
